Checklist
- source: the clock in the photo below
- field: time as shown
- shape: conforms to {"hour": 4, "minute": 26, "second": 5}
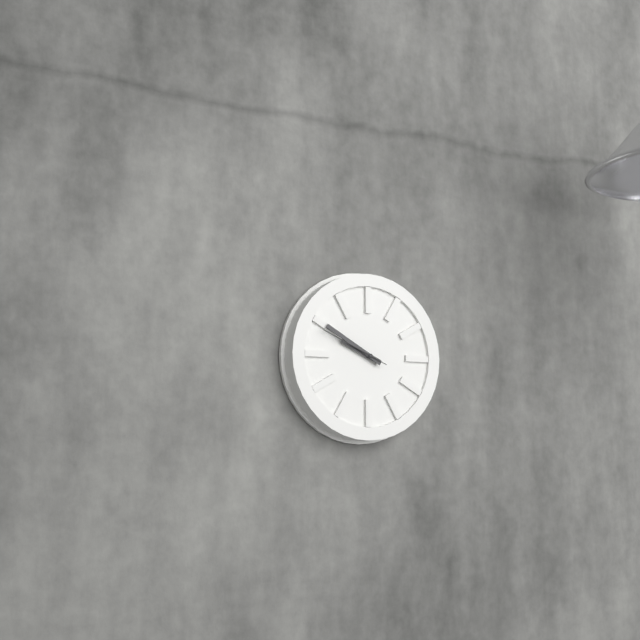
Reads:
{"hour": 9, "minute": 50, "second": 49}
